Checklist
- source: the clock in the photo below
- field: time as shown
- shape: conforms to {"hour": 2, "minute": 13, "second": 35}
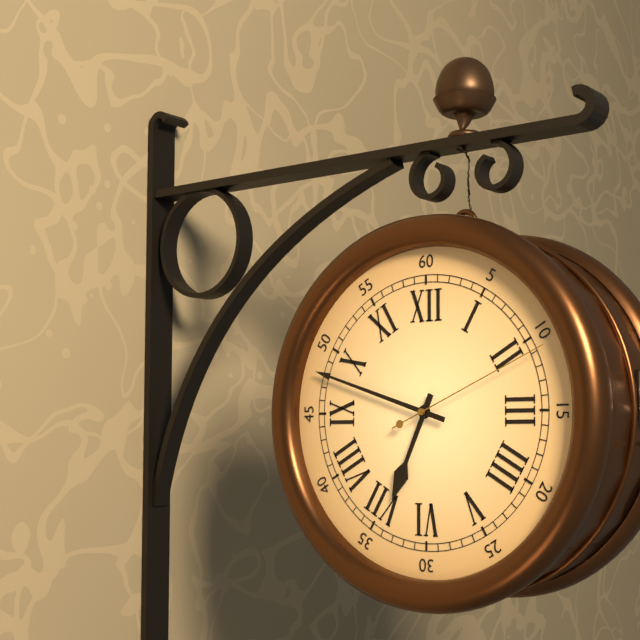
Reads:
{"hour": 6, "minute": 48, "second": 11}
